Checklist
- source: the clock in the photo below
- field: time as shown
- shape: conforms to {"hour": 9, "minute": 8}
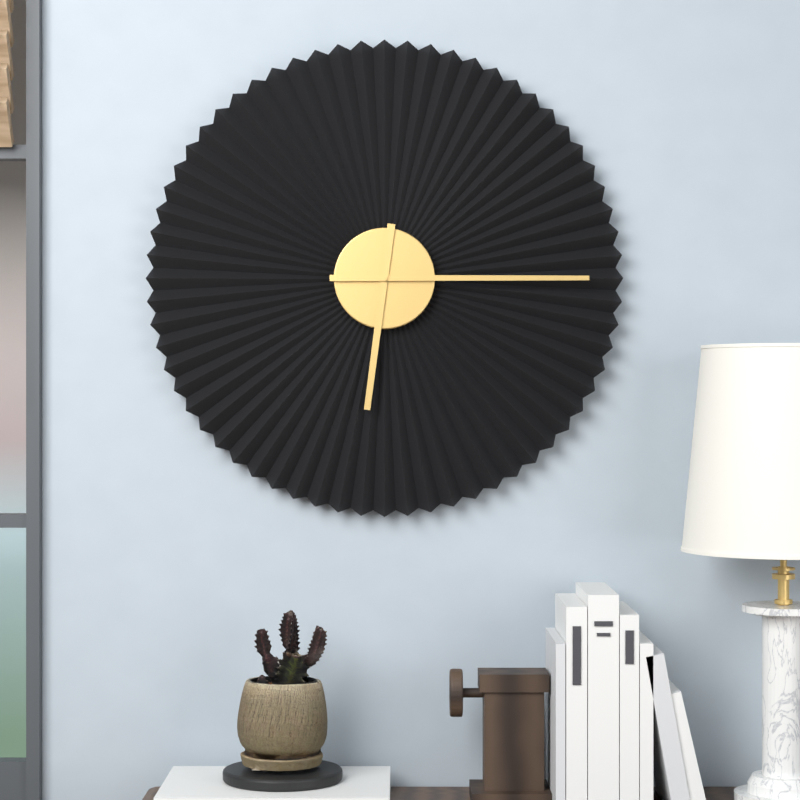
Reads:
{"hour": 6, "minute": 15}
